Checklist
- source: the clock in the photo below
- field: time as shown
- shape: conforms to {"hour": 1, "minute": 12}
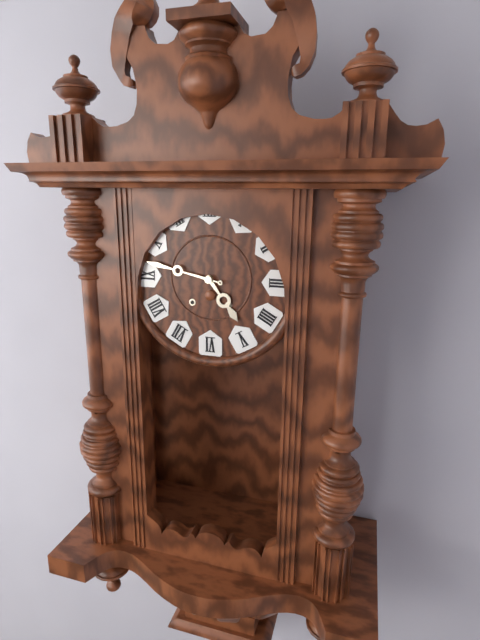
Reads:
{"hour": 4, "minute": 47}
